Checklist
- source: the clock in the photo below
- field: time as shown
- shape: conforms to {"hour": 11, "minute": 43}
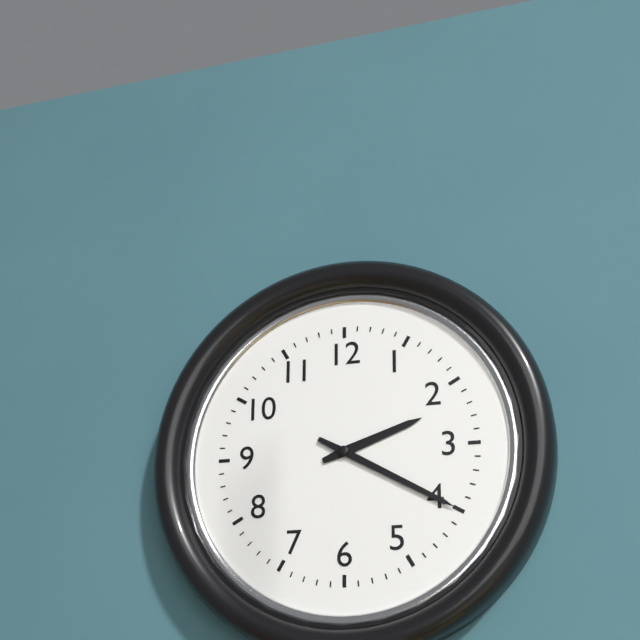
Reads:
{"hour": 2, "minute": 20}
